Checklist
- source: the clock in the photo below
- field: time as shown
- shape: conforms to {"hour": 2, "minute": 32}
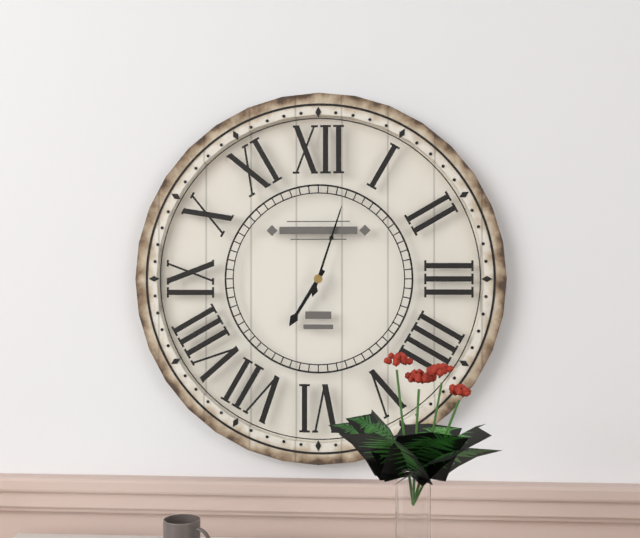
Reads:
{"hour": 7, "minute": 3}
